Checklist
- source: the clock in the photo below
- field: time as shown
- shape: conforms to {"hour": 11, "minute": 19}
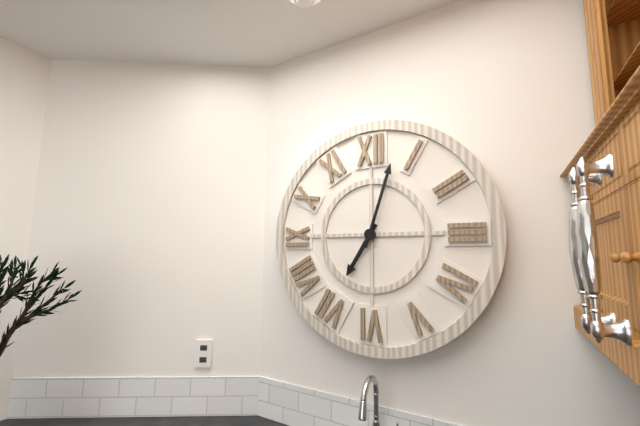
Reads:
{"hour": 7, "minute": 3}
